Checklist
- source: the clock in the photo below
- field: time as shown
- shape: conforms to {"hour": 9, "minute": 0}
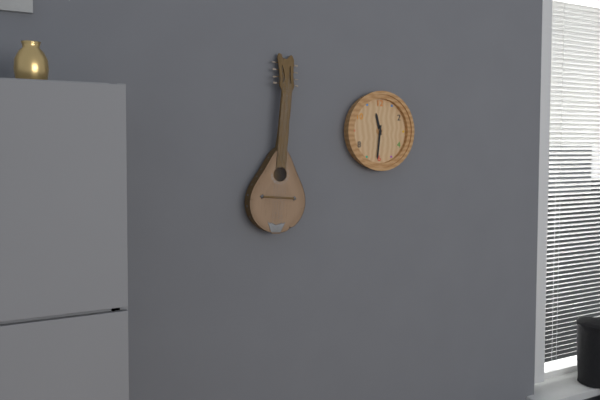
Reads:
{"hour": 11, "minute": 31}
